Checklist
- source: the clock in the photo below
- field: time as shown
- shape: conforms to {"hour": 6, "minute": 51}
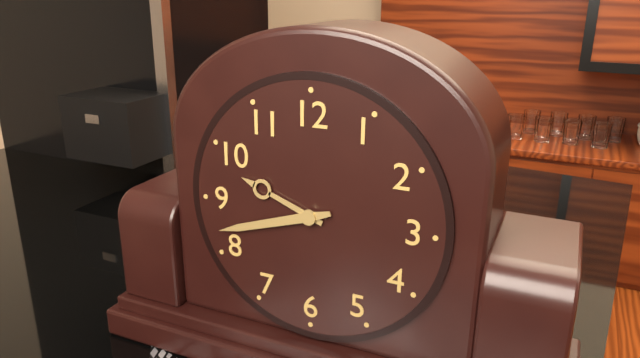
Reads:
{"hour": 9, "minute": 42}
